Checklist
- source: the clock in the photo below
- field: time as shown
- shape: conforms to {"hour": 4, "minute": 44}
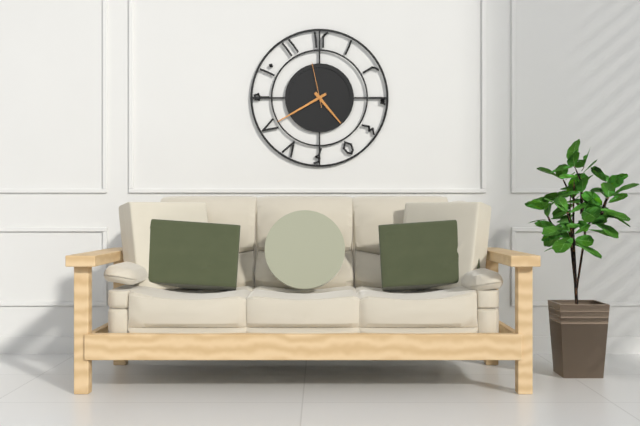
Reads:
{"hour": 4, "minute": 40}
